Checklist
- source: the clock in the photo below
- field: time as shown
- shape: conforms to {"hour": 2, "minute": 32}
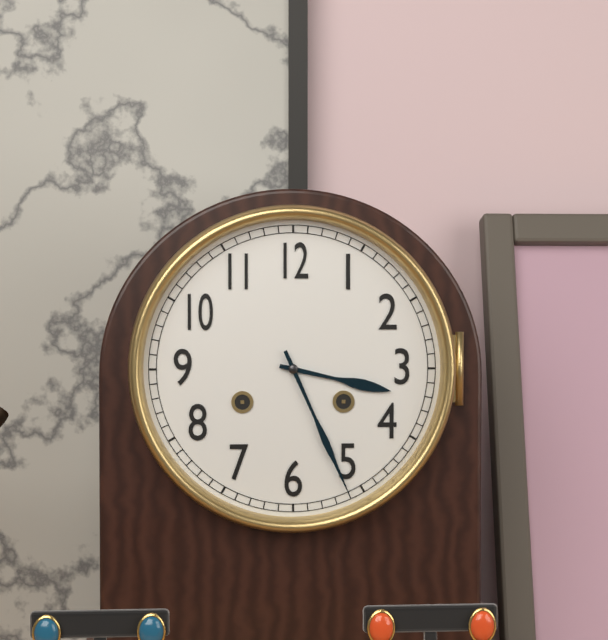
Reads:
{"hour": 3, "minute": 26}
